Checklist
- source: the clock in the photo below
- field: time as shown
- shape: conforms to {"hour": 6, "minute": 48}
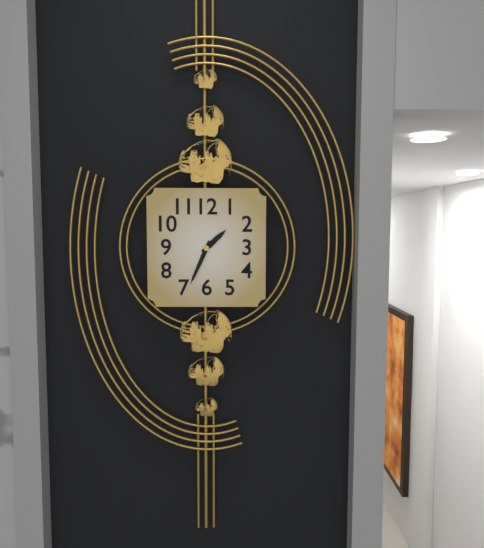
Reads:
{"hour": 1, "minute": 34}
